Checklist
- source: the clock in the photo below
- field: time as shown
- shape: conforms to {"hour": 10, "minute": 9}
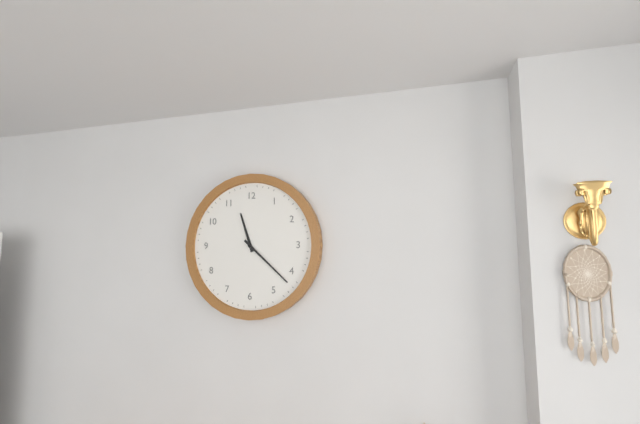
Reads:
{"hour": 11, "minute": 22}
